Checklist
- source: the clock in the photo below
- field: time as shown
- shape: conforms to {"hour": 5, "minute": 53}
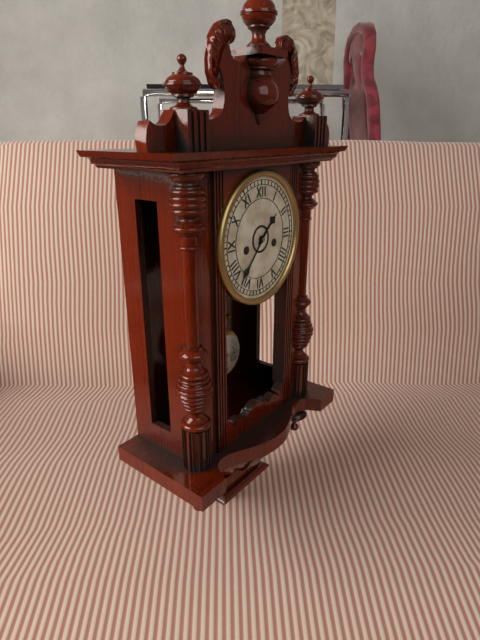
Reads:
{"hour": 1, "minute": 37}
